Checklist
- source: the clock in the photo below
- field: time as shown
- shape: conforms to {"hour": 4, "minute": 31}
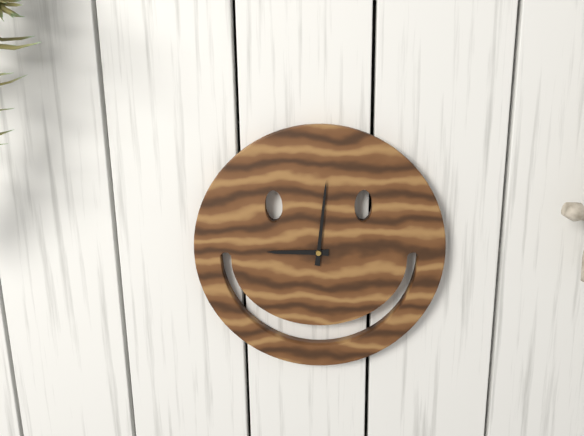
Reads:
{"hour": 9, "minute": 1}
